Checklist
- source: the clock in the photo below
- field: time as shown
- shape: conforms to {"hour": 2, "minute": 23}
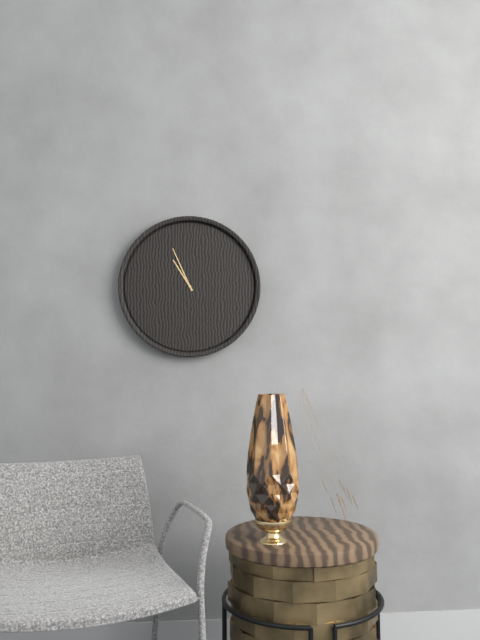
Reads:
{"hour": 10, "minute": 56}
